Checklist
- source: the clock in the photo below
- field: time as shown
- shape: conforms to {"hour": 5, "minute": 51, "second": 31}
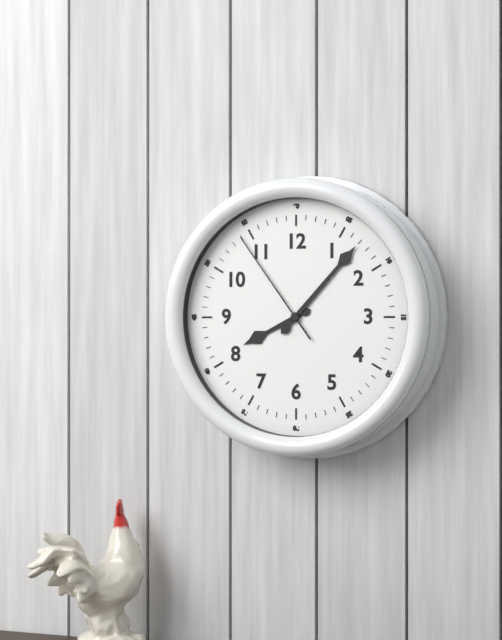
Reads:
{"hour": 8, "minute": 7, "second": 54}
